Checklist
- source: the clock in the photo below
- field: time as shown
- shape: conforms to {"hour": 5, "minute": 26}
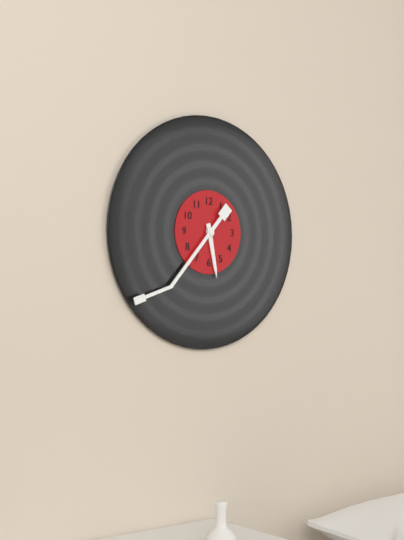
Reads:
{"hour": 5, "minute": 37}
